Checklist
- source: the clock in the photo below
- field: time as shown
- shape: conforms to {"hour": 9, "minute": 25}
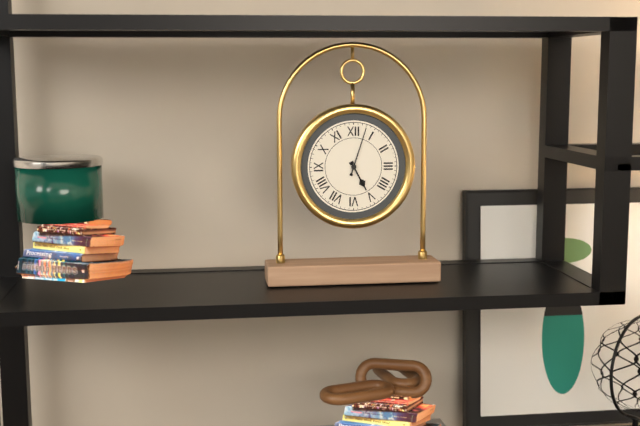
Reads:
{"hour": 5, "minute": 3}
